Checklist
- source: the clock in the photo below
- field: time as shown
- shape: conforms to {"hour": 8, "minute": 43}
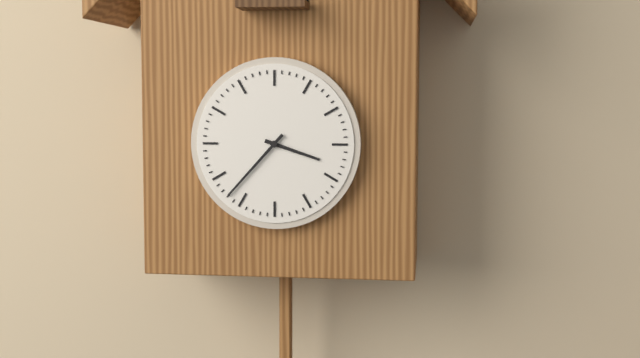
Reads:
{"hour": 3, "minute": 37}
